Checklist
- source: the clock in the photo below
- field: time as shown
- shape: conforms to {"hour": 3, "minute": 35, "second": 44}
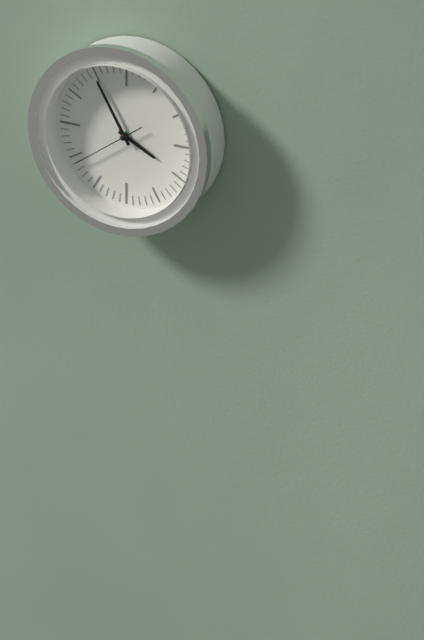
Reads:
{"hour": 3, "minute": 55, "second": 39}
